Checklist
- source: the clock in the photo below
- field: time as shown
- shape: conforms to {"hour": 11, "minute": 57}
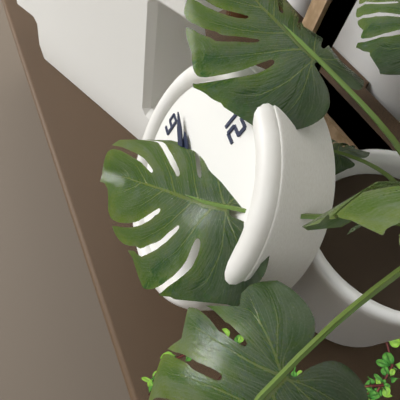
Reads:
{"hour": 9, "minute": 48}
